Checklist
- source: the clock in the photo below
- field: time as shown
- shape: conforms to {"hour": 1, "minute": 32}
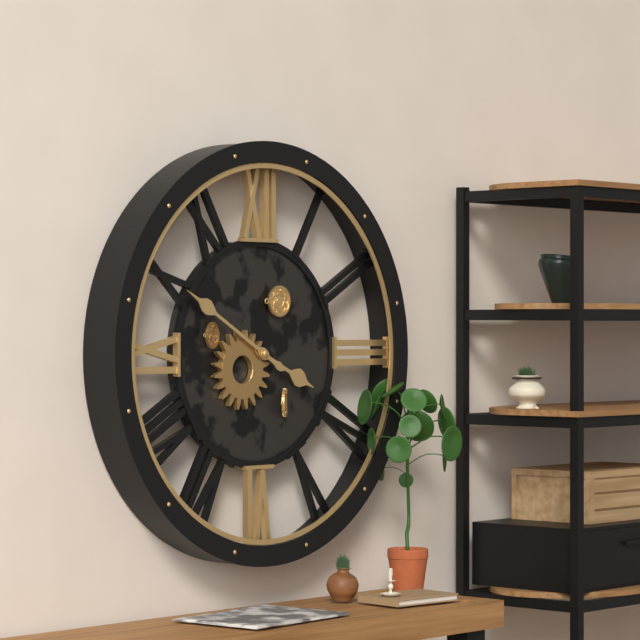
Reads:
{"hour": 3, "minute": 50}
